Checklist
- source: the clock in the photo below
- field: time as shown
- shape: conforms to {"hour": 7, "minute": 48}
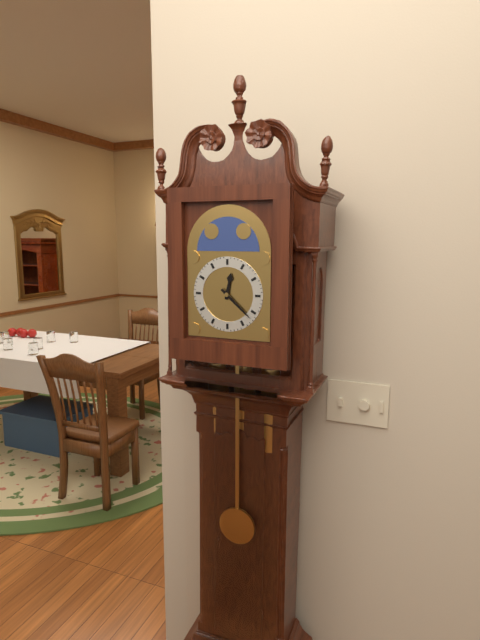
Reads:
{"hour": 12, "minute": 22}
